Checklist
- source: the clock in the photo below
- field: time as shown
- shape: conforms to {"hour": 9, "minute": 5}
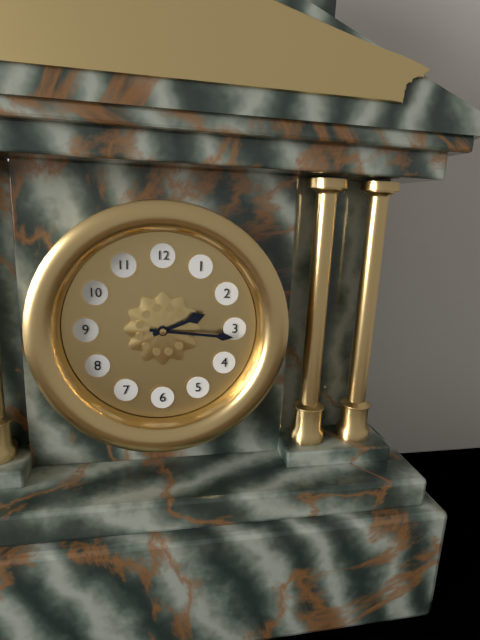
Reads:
{"hour": 2, "minute": 16}
